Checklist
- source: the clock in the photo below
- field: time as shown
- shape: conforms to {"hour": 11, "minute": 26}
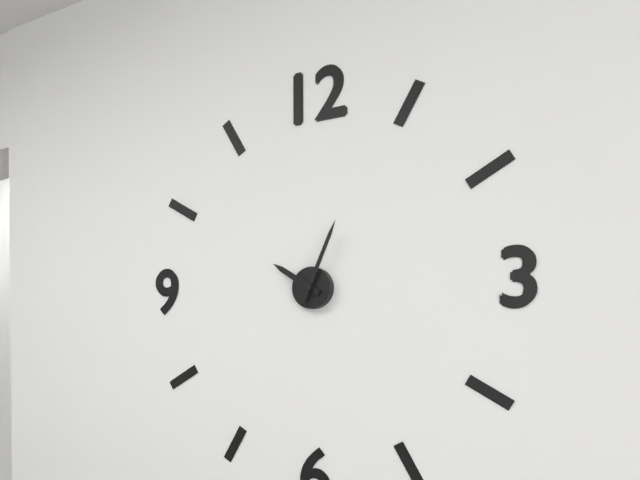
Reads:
{"hour": 10, "minute": 4}
